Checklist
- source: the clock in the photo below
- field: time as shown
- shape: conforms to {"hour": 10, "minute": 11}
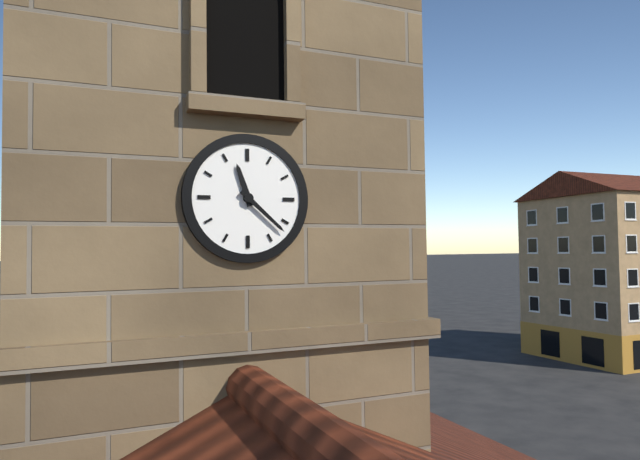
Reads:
{"hour": 11, "minute": 22}
